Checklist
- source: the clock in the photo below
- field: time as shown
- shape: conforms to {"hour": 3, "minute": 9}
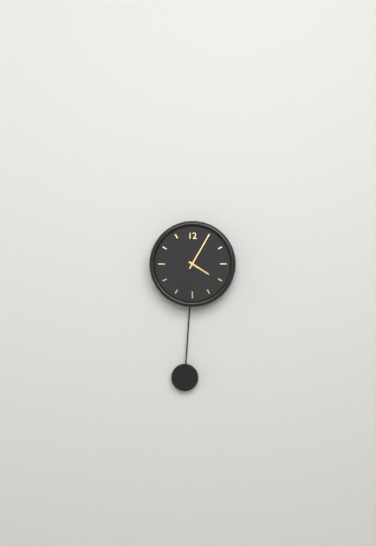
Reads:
{"hour": 4, "minute": 5}
